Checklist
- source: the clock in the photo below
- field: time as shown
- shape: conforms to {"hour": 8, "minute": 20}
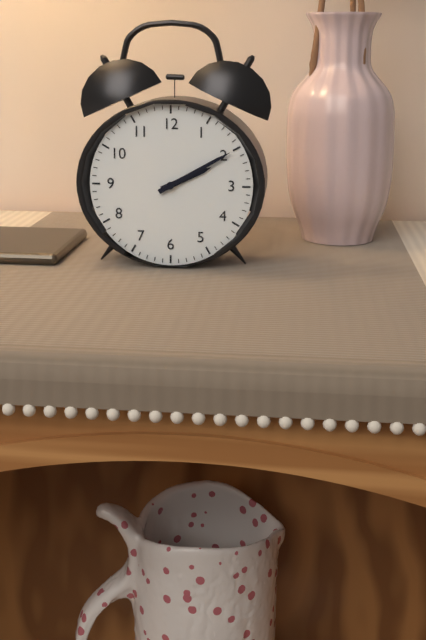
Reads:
{"hour": 2, "minute": 10}
